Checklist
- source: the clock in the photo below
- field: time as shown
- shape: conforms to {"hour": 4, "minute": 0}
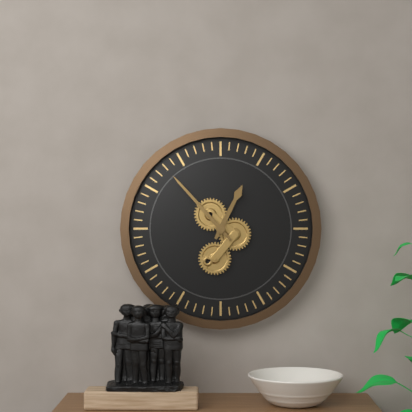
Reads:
{"hour": 12, "minute": 53}
